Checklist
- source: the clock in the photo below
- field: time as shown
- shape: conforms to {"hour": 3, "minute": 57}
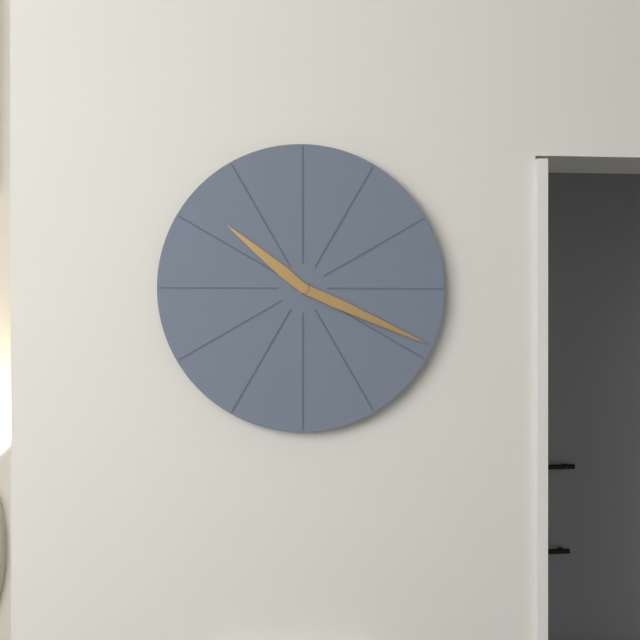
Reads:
{"hour": 10, "minute": 19}
